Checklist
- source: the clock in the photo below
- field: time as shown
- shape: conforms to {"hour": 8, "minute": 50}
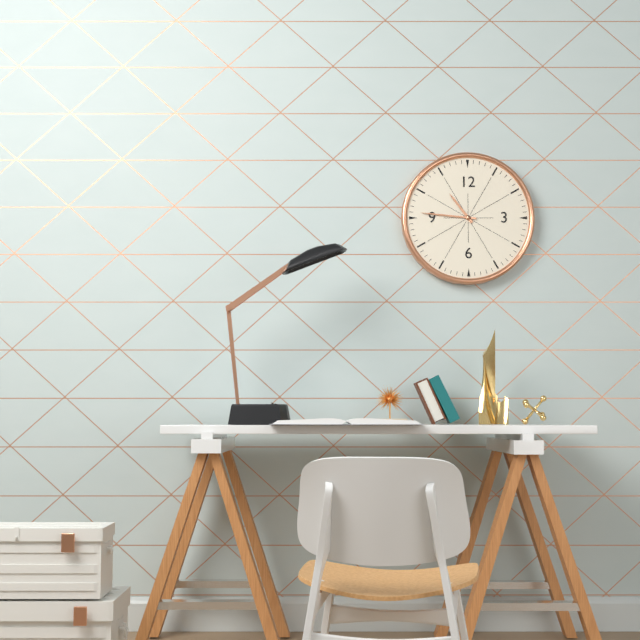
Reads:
{"hour": 10, "minute": 46}
